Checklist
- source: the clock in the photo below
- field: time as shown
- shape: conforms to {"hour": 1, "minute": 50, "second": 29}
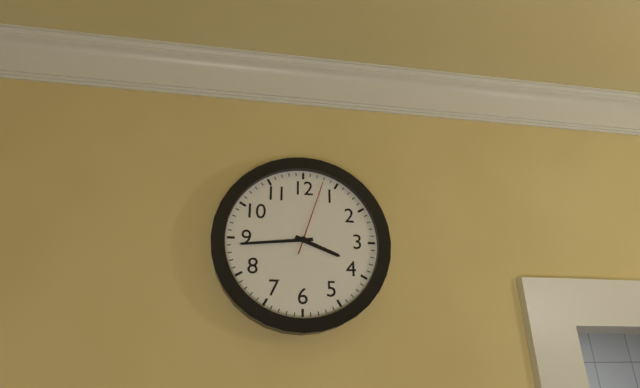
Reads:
{"hour": 3, "minute": 44, "second": 3}
